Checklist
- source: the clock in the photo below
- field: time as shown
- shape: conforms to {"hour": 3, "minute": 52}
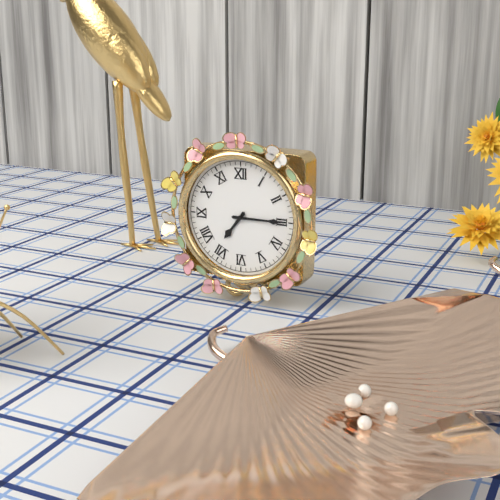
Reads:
{"hour": 7, "minute": 15}
